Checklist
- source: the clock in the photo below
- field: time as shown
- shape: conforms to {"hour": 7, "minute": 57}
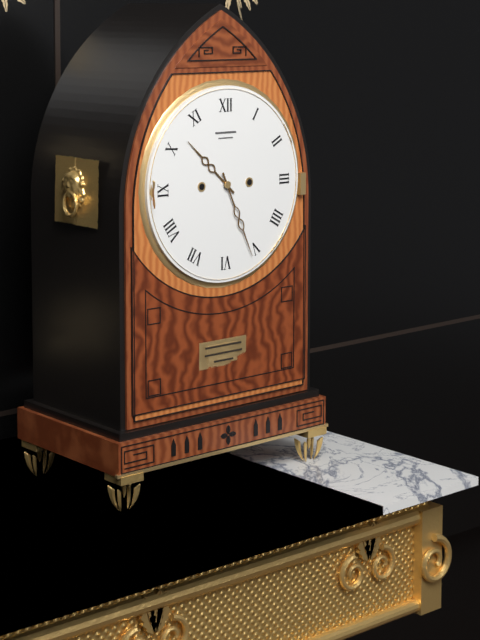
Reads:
{"hour": 10, "minute": 26}
